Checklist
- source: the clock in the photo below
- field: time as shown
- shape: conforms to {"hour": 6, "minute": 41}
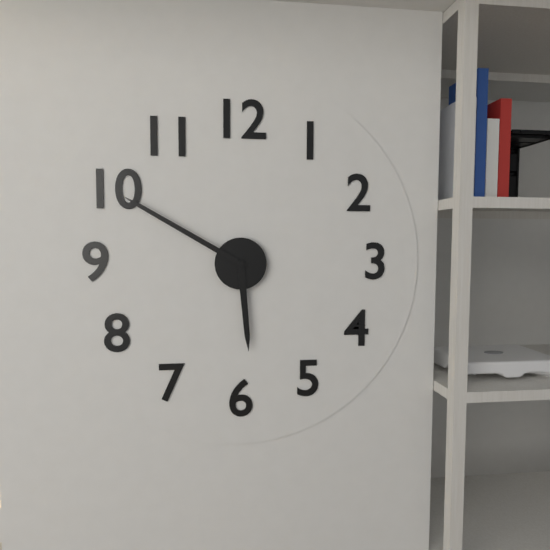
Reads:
{"hour": 5, "minute": 50}
